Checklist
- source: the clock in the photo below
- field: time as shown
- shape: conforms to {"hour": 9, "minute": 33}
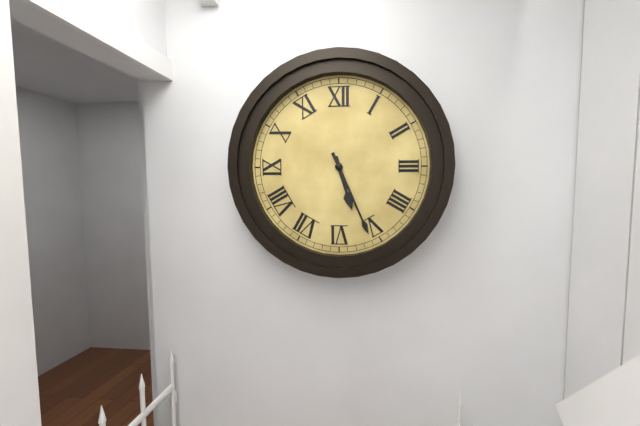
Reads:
{"hour": 5, "minute": 26}
